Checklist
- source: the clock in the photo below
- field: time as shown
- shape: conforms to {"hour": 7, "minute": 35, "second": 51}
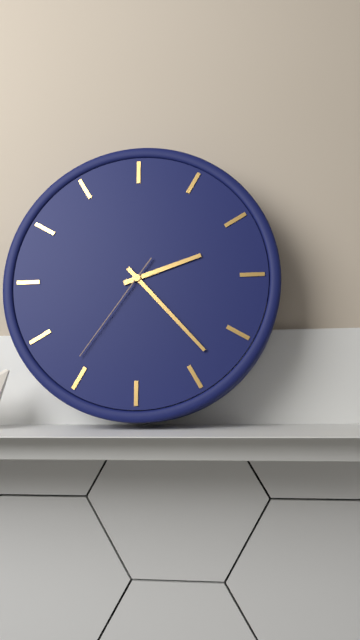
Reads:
{"hour": 2, "minute": 23, "second": 36}
